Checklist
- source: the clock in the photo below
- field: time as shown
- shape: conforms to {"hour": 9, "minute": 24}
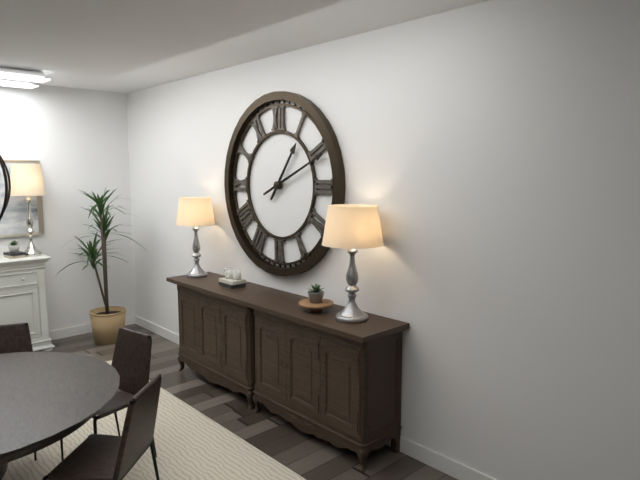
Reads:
{"hour": 1, "minute": 11}
